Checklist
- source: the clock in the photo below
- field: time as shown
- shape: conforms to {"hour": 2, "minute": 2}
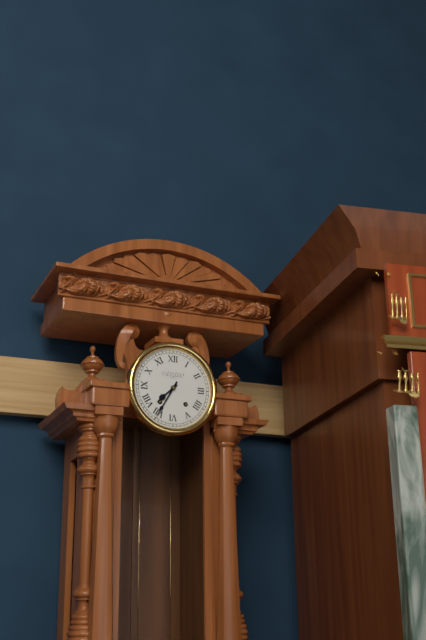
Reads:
{"hour": 7, "minute": 35}
